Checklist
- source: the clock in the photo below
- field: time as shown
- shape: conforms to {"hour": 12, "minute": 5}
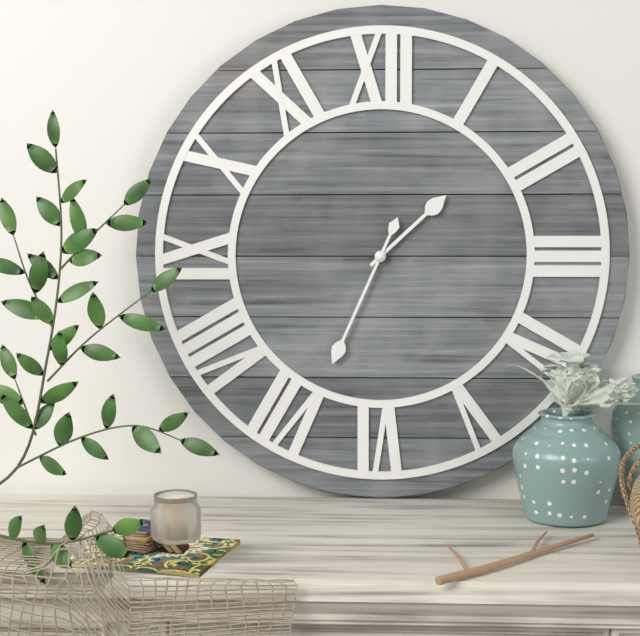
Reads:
{"hour": 1, "minute": 34}
